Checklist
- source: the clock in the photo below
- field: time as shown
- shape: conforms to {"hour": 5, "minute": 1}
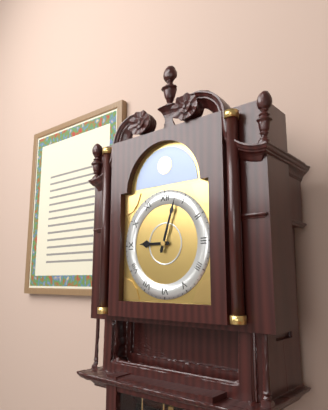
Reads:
{"hour": 9, "minute": 3}
